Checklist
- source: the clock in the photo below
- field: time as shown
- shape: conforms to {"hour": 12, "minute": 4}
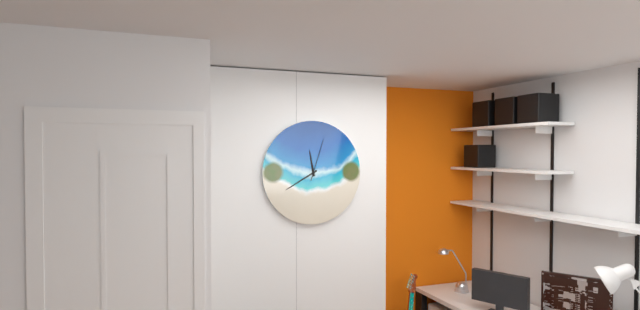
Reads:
{"hour": 11, "minute": 40}
